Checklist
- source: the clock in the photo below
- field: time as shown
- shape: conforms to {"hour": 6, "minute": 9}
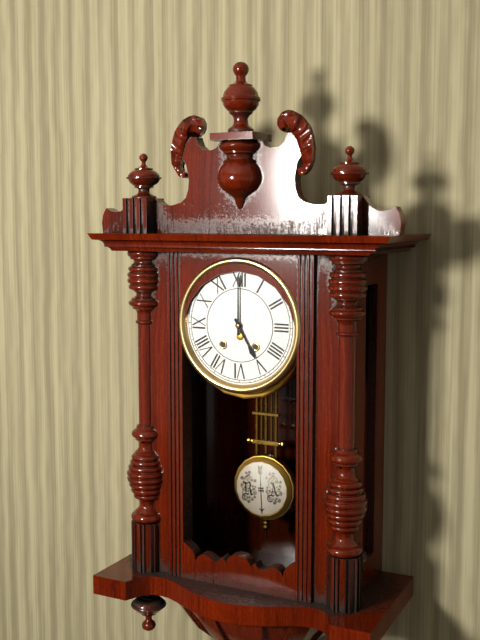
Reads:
{"hour": 5, "minute": 0}
